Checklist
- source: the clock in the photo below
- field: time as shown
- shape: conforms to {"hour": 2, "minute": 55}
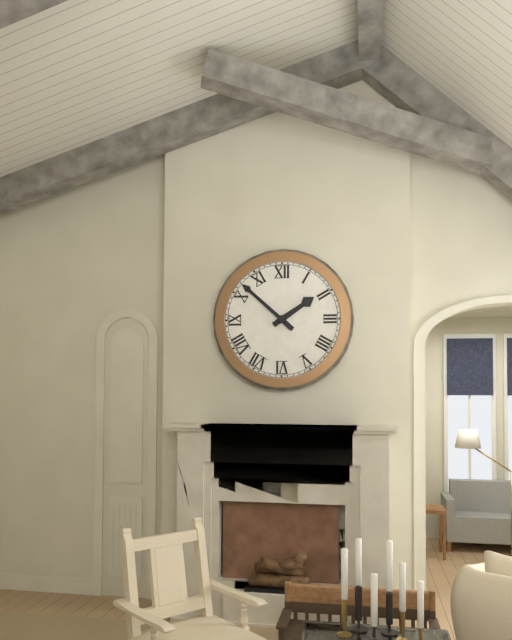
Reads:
{"hour": 1, "minute": 52}
